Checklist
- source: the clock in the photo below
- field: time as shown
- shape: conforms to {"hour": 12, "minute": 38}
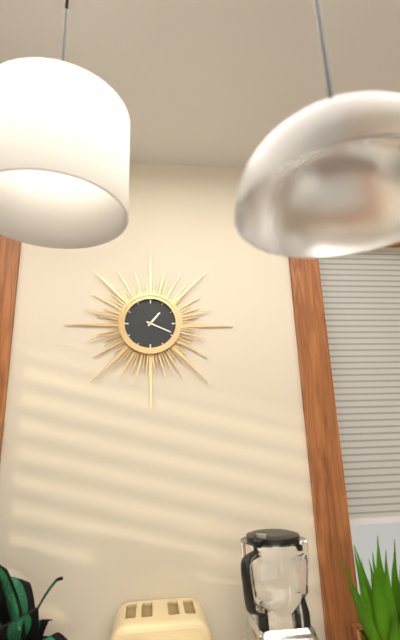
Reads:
{"hour": 1, "minute": 19}
